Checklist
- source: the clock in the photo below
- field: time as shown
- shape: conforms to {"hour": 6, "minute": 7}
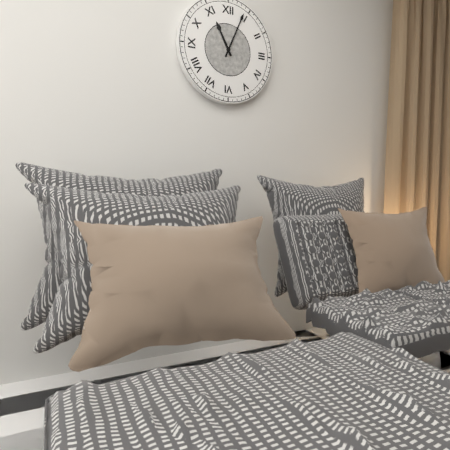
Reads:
{"hour": 11, "minute": 4}
